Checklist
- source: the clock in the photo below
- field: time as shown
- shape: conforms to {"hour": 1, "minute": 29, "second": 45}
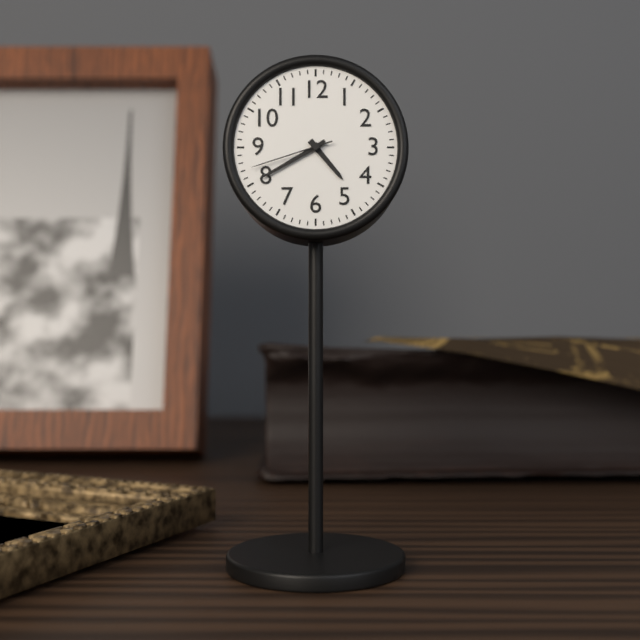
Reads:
{"hour": 4, "minute": 40, "second": 42}
